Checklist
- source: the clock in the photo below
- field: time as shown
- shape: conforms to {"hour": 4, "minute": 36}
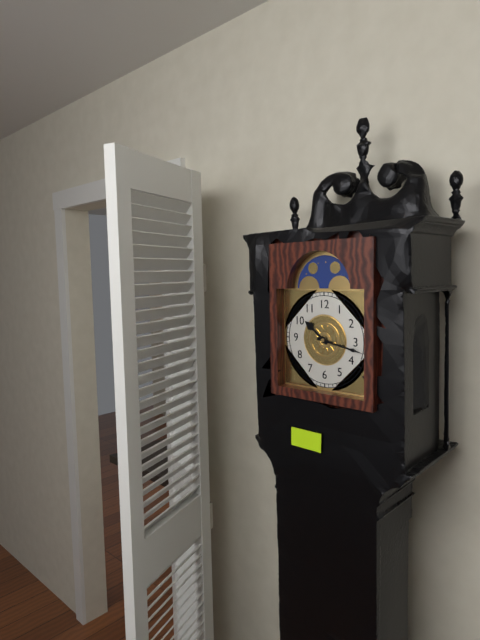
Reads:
{"hour": 10, "minute": 17}
